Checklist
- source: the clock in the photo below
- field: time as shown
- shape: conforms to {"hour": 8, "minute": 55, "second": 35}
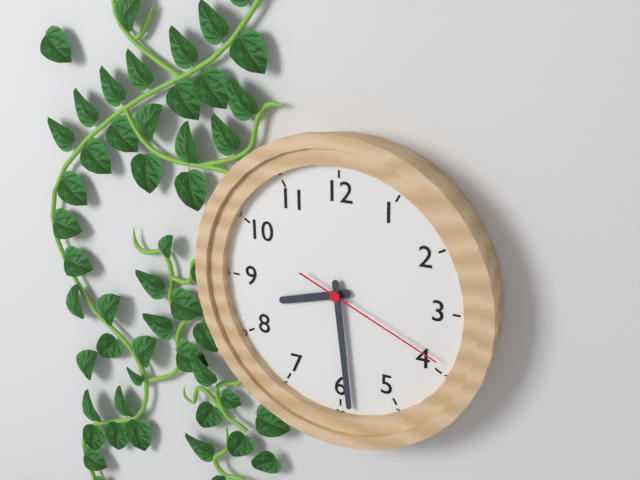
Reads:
{"hour": 8, "minute": 29, "second": 19}
